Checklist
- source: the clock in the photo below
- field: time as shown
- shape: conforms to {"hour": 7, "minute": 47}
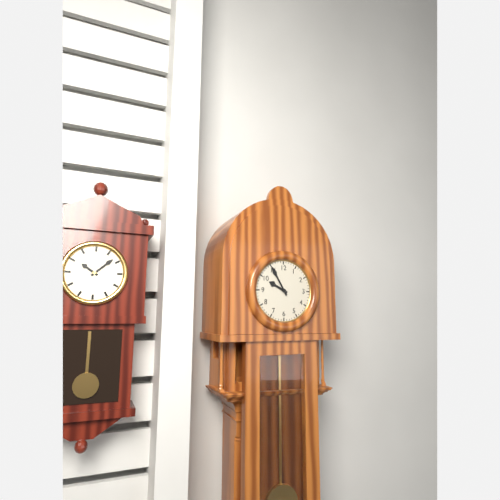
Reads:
{"hour": 9, "minute": 55}
